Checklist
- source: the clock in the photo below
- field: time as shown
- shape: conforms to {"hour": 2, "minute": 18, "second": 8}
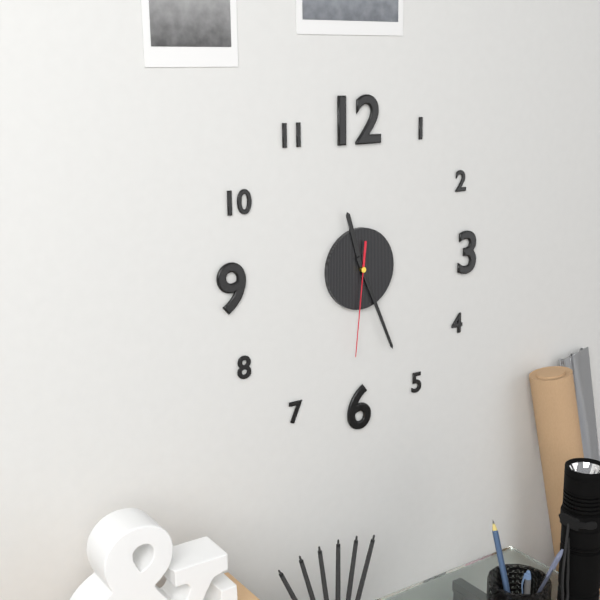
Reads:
{"hour": 11, "minute": 26, "second": 31}
